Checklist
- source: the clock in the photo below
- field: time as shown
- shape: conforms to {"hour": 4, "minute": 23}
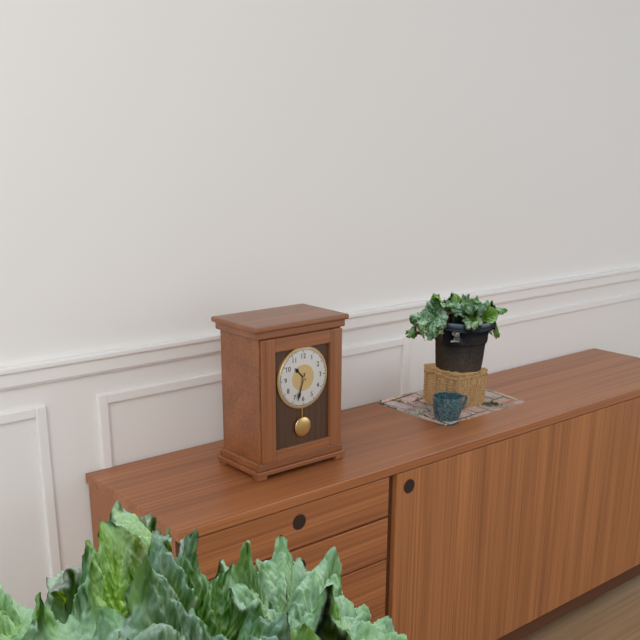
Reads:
{"hour": 10, "minute": 33}
